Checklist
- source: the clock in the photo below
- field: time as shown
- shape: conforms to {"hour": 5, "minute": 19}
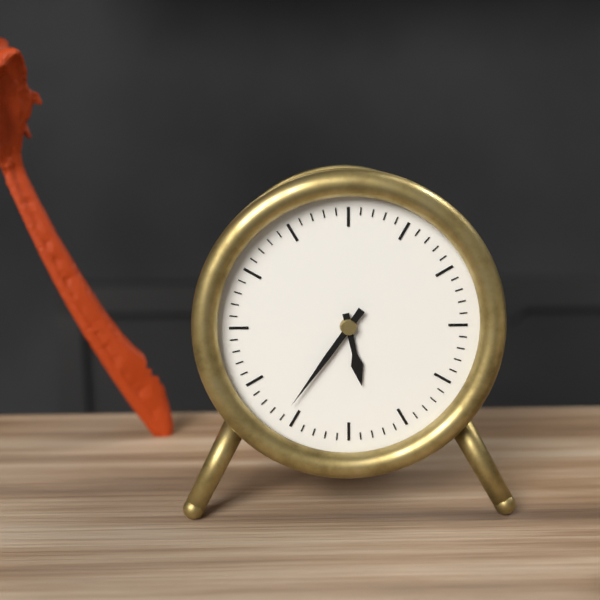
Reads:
{"hour": 5, "minute": 36}
